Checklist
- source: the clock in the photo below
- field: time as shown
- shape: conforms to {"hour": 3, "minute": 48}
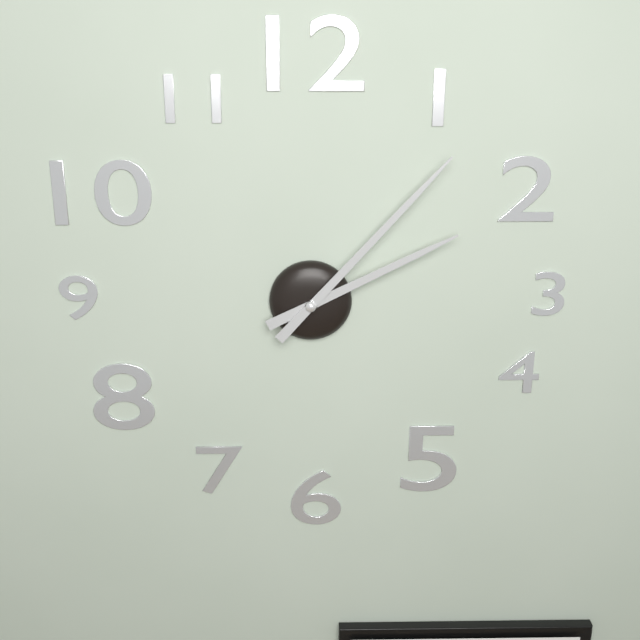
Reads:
{"hour": 2, "minute": 7}
